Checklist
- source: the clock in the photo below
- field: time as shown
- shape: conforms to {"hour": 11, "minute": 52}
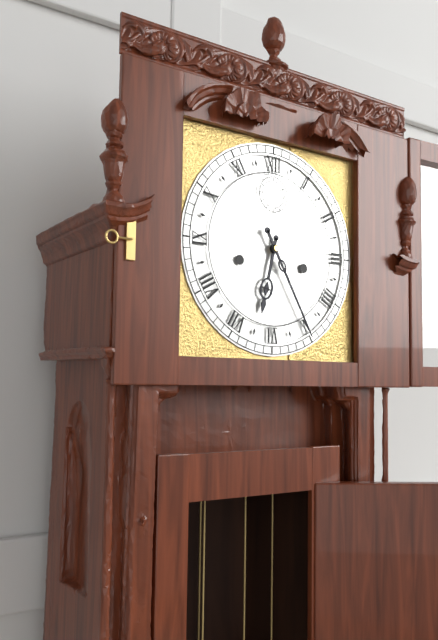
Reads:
{"hour": 6, "minute": 25}
